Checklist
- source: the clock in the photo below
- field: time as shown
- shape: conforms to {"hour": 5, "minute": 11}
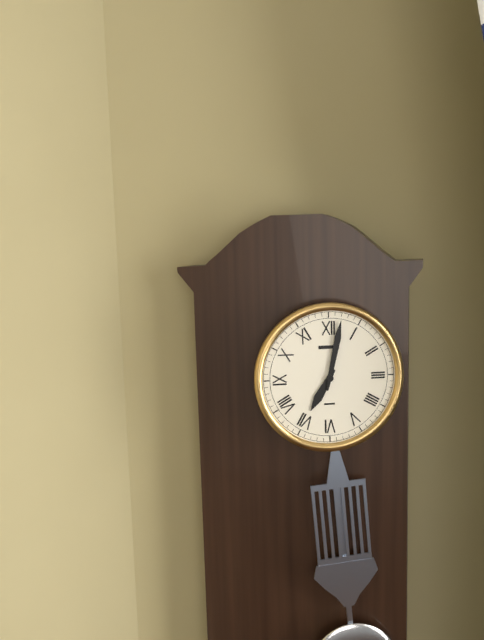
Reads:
{"hour": 7, "minute": 2}
